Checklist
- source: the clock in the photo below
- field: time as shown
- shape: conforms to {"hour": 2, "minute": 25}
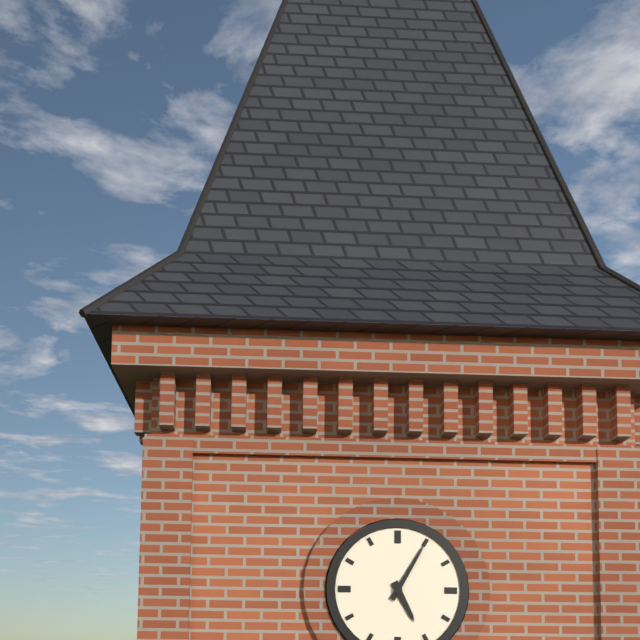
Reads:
{"hour": 5, "minute": 5}
